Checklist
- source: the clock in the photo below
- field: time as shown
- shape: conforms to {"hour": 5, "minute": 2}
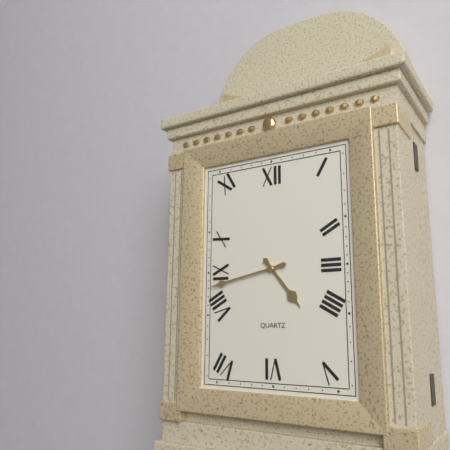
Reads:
{"hour": 4, "minute": 43}
